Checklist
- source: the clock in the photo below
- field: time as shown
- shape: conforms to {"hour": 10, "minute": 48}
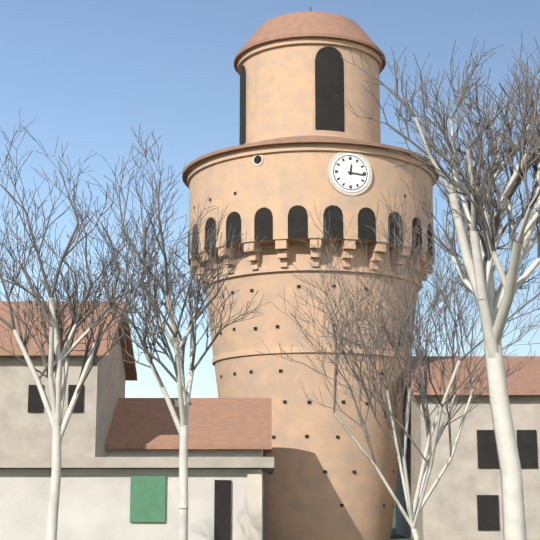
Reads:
{"hour": 12, "minute": 16}
